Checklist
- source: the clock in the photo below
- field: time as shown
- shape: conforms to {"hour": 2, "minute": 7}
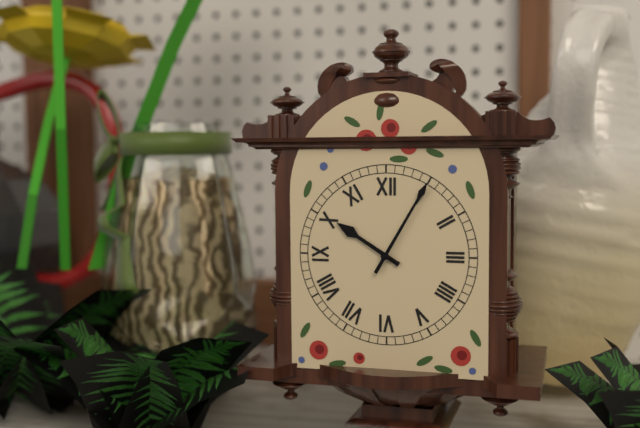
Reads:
{"hour": 10, "minute": 5}
